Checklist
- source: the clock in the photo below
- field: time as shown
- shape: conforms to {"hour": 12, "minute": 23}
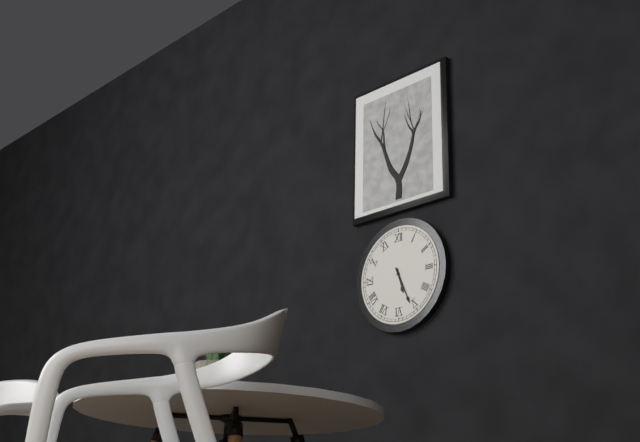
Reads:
{"hour": 5, "minute": 26}
